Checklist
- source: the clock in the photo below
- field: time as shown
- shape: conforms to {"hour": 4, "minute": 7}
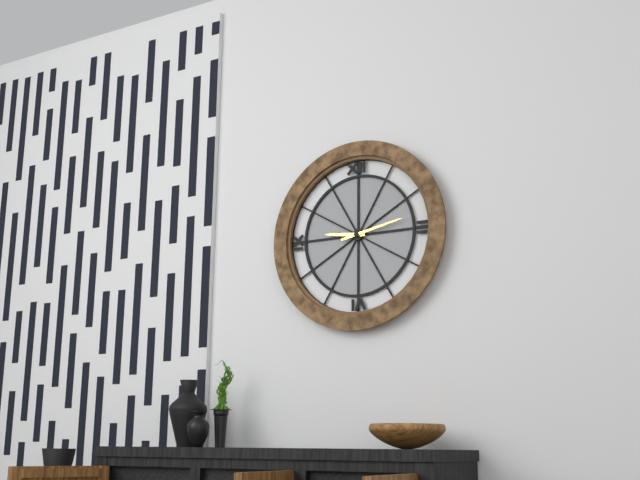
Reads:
{"hour": 9, "minute": 13}
